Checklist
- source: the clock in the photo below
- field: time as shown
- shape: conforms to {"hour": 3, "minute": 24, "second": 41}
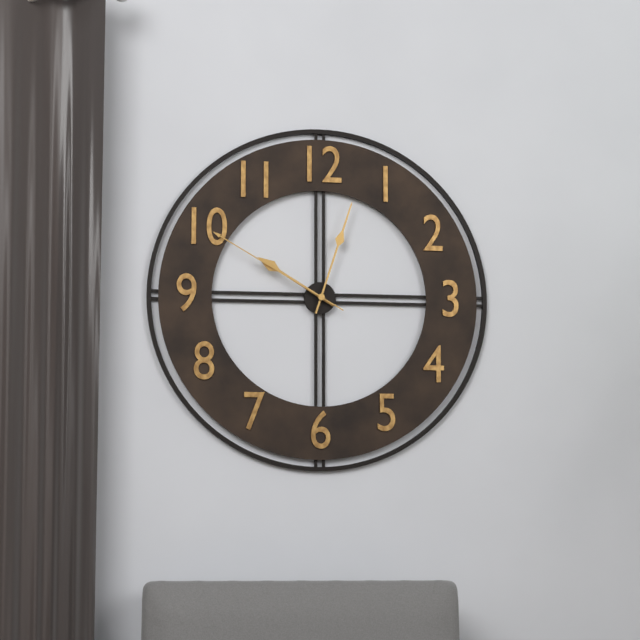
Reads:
{"hour": 10, "minute": 3, "second": 50}
